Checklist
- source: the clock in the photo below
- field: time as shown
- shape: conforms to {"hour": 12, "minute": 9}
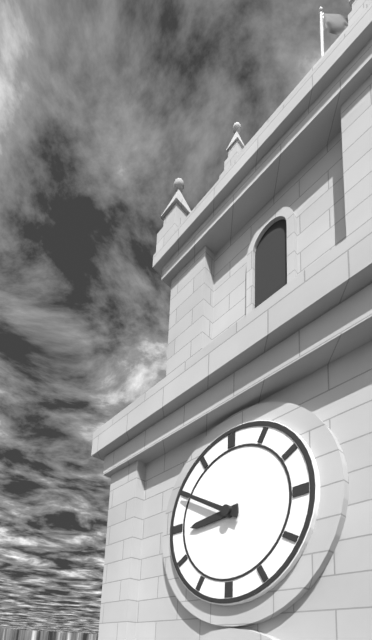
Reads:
{"hour": 8, "minute": 50}
